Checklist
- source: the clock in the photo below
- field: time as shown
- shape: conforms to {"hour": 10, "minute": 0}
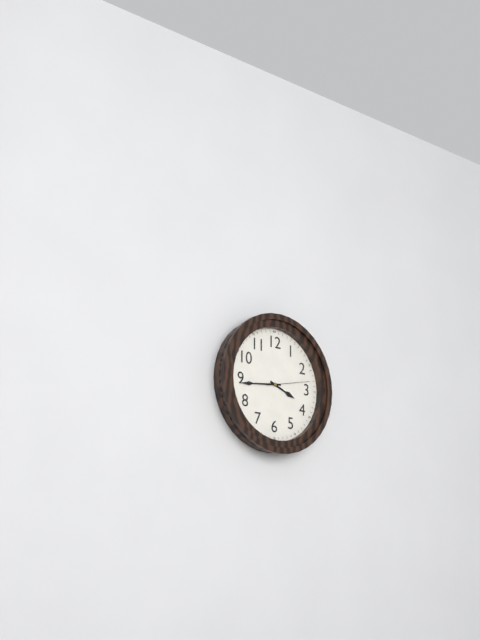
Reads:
{"hour": 3, "minute": 44}
